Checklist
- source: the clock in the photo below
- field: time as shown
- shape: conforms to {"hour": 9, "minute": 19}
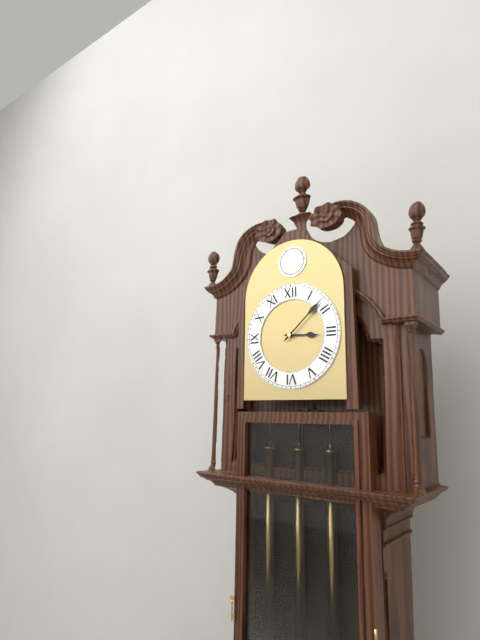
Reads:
{"hour": 3, "minute": 8}
